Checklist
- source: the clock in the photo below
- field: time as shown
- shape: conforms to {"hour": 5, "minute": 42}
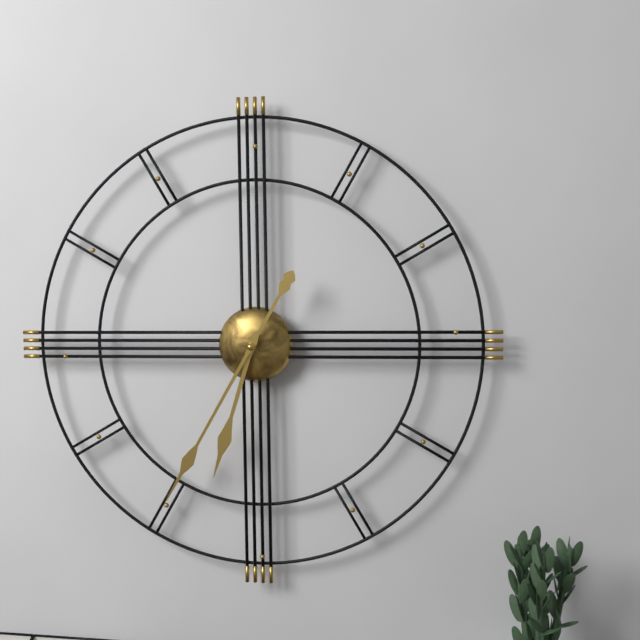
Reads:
{"hour": 6, "minute": 35}
